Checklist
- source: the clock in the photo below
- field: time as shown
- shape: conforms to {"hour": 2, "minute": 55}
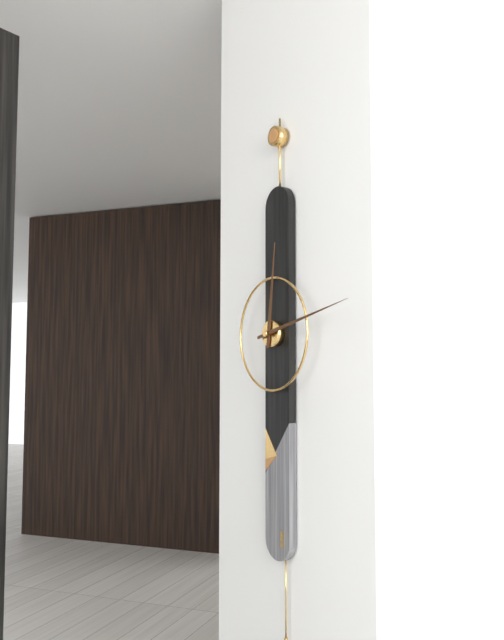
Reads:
{"hour": 12, "minute": 13}
